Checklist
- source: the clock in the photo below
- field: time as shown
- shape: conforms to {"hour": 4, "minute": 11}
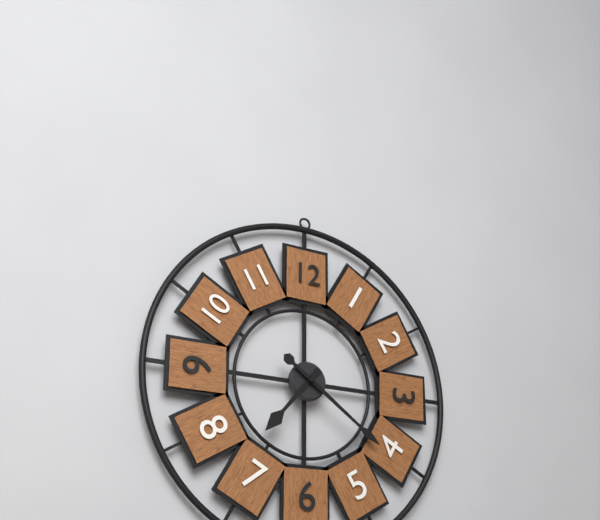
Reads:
{"hour": 7, "minute": 21}
